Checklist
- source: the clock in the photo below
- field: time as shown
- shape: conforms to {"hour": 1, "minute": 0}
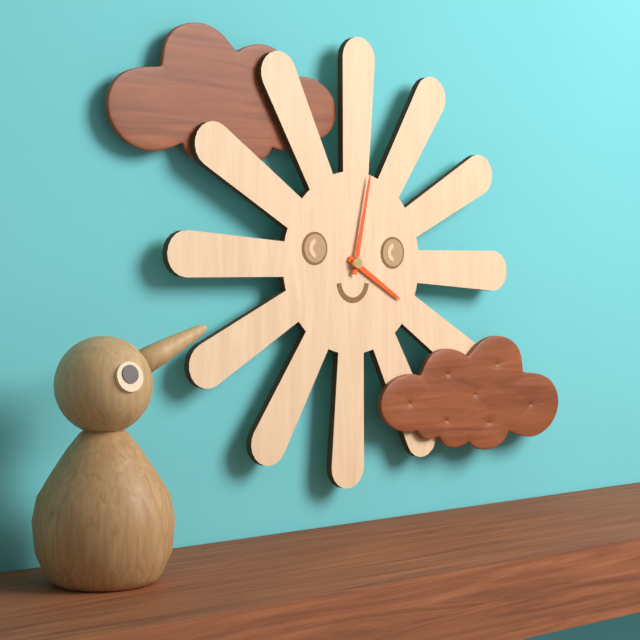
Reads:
{"hour": 4, "minute": 2}
